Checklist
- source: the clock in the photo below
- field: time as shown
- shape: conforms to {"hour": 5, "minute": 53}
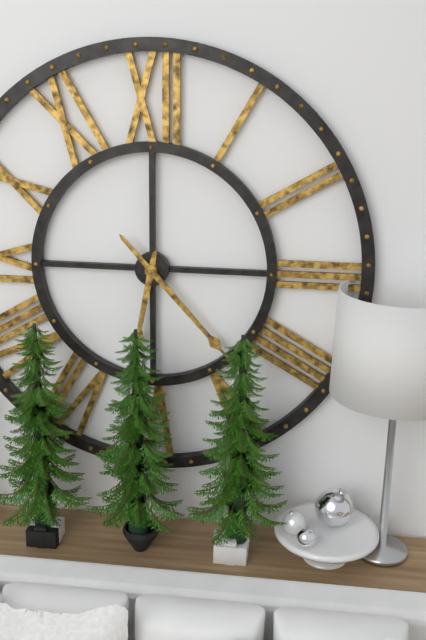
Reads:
{"hour": 6, "minute": 23}
